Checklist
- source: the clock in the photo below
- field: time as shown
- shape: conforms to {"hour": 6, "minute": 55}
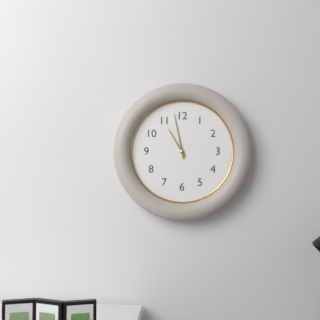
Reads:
{"hour": 10, "minute": 58}
